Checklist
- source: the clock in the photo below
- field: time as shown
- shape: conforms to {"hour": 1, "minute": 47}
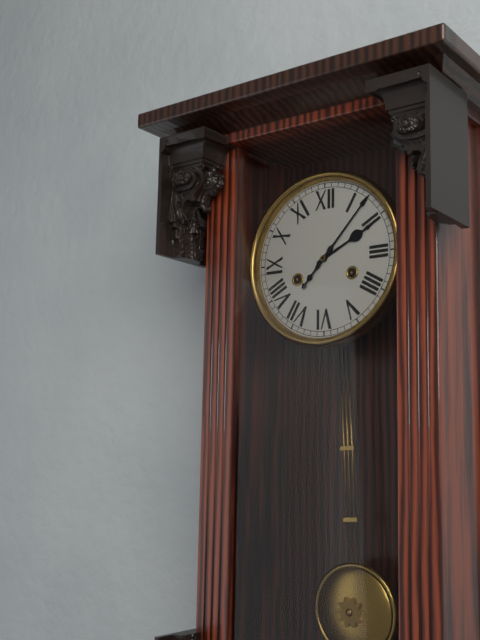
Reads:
{"hour": 2, "minute": 7}
